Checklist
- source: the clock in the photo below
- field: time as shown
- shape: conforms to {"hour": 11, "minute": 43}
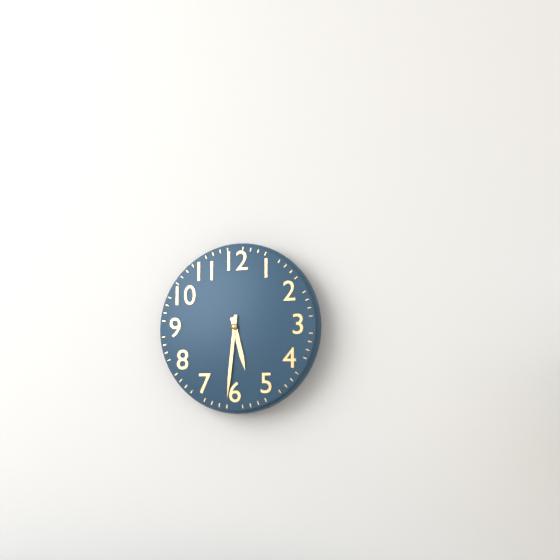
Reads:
{"hour": 5, "minute": 31}
